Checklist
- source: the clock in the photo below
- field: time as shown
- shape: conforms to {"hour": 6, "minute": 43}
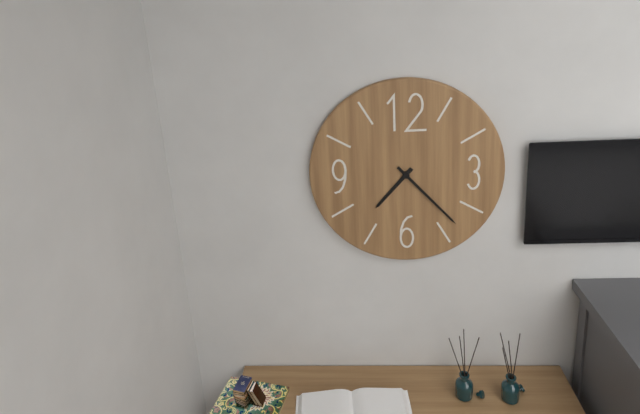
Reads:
{"hour": 7, "minute": 23}
